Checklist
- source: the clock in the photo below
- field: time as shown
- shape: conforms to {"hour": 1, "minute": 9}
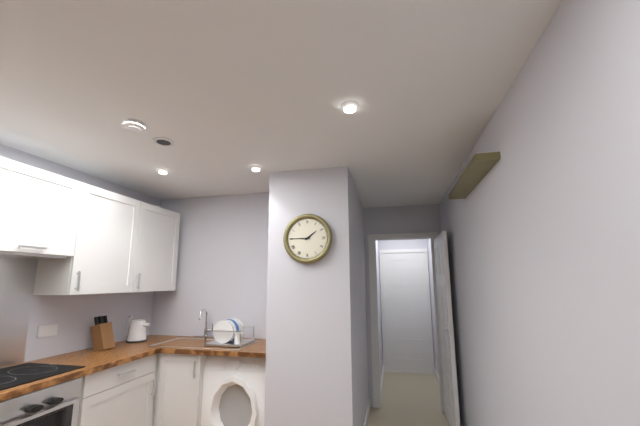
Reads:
{"hour": 1, "minute": 45}
